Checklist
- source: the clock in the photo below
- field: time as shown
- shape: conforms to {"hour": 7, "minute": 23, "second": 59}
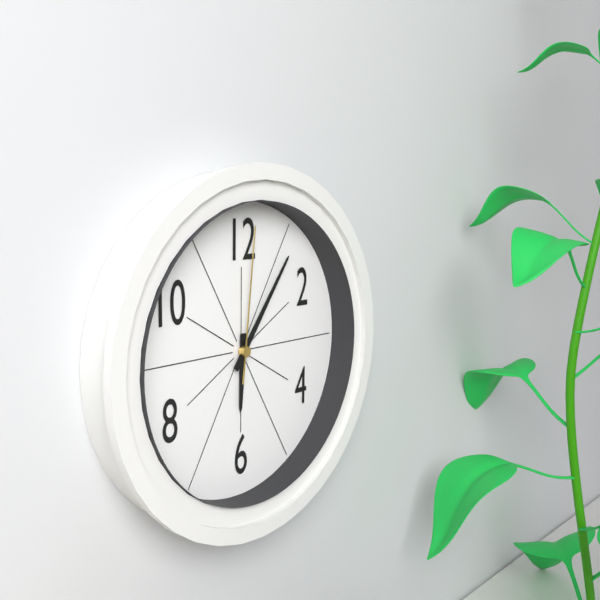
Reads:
{"hour": 6, "minute": 6, "second": 1}
